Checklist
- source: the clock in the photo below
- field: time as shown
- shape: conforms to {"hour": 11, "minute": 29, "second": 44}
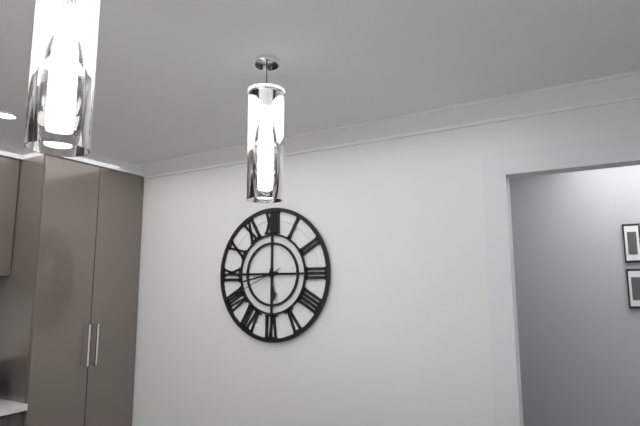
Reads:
{"hour": 5, "minute": 43, "second": 41}
